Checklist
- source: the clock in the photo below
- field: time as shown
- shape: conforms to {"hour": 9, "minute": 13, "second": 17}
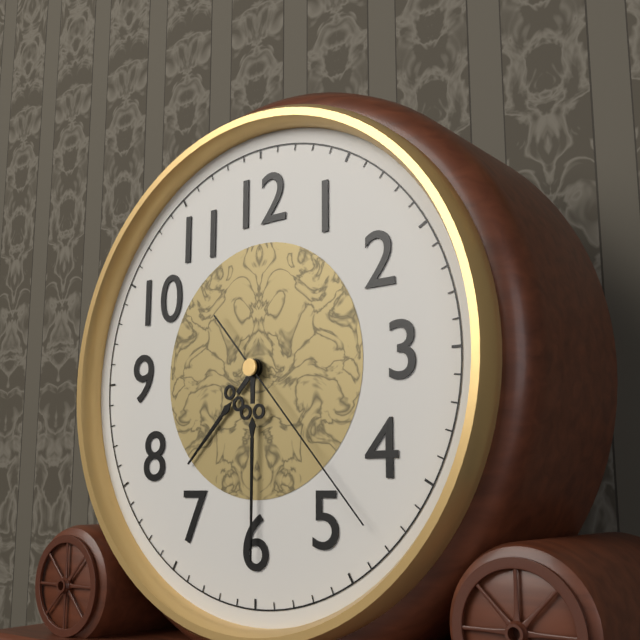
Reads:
{"hour": 7, "minute": 30, "second": 23}
